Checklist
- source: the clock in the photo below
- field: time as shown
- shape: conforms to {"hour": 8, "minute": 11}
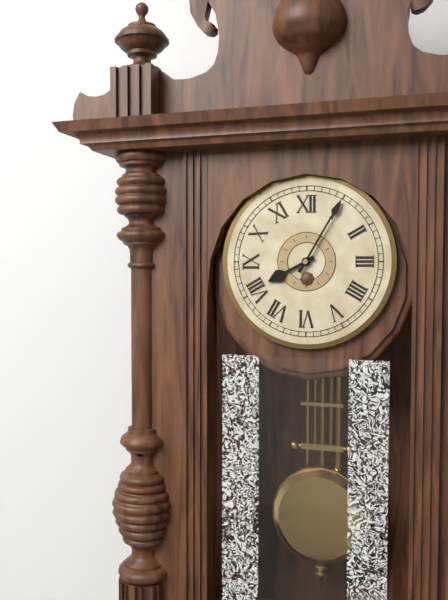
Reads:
{"hour": 8, "minute": 5}
